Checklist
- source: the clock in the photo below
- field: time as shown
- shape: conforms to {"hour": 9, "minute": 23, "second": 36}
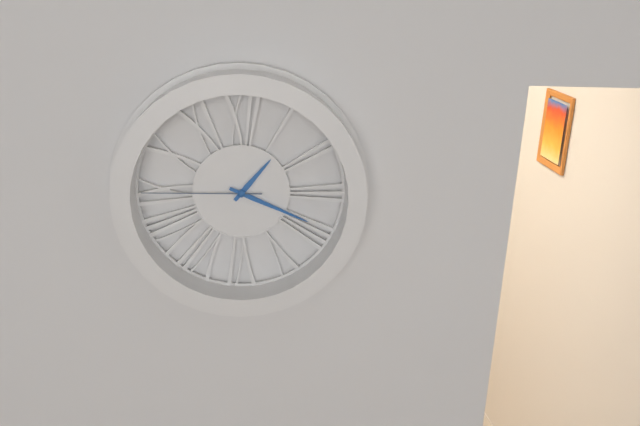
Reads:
{"hour": 1, "minute": 19, "second": 45}
